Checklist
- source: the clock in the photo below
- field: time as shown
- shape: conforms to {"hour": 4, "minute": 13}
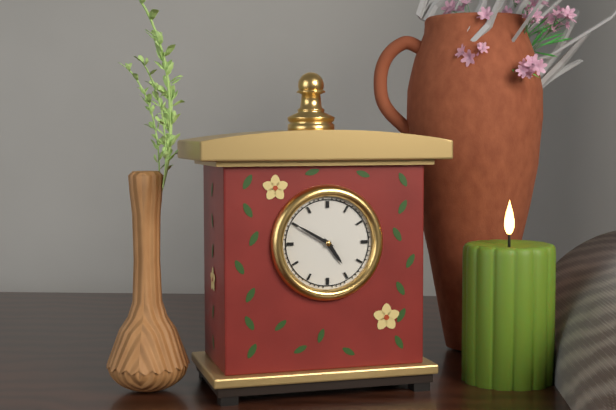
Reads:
{"hour": 4, "minute": 50}
